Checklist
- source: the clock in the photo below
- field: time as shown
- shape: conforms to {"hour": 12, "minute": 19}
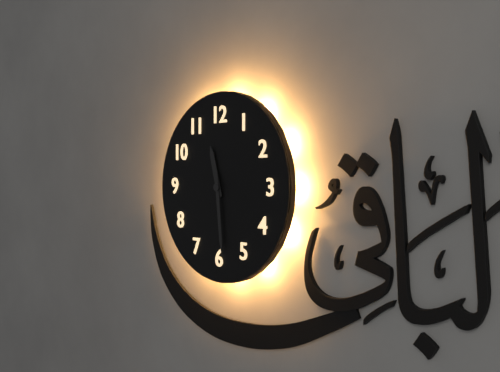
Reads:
{"hour": 11, "minute": 29}
